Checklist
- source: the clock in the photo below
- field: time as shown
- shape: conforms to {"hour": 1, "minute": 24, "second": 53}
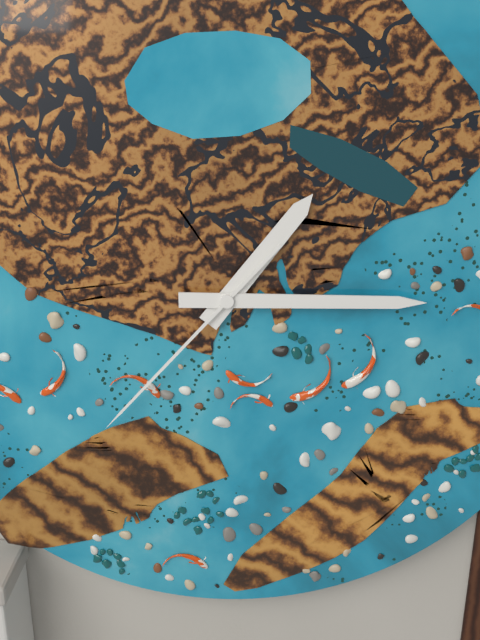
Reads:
{"hour": 1, "minute": 15, "second": 37}
